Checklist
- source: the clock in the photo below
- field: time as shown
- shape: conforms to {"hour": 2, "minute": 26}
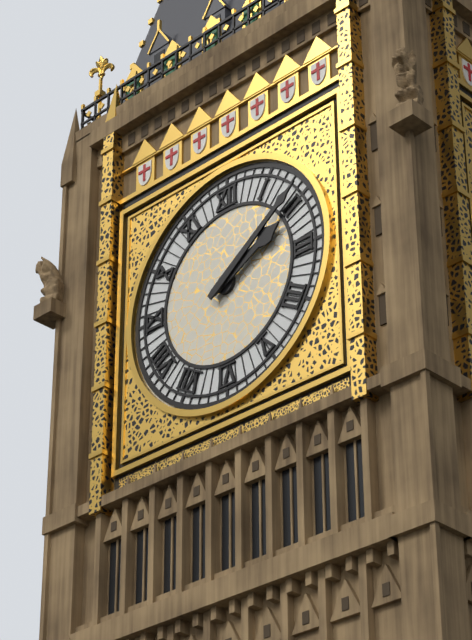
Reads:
{"hour": 2, "minute": 9}
